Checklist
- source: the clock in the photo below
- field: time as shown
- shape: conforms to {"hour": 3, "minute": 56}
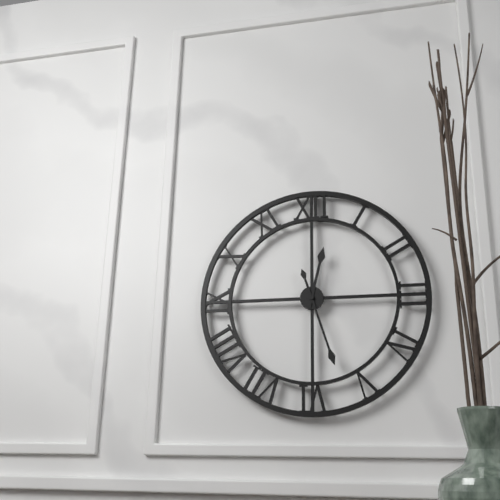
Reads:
{"hour": 12, "minute": 27}
